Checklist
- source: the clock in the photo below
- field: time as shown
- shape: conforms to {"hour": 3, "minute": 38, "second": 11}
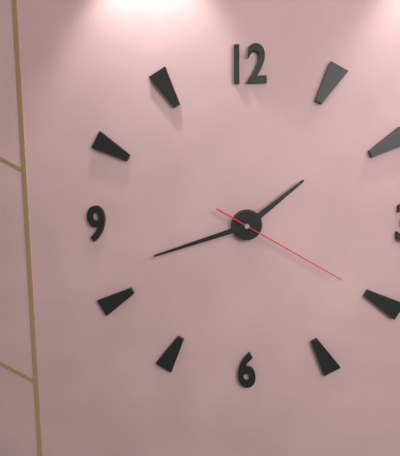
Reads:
{"hour": 1, "minute": 42, "second": 20}
